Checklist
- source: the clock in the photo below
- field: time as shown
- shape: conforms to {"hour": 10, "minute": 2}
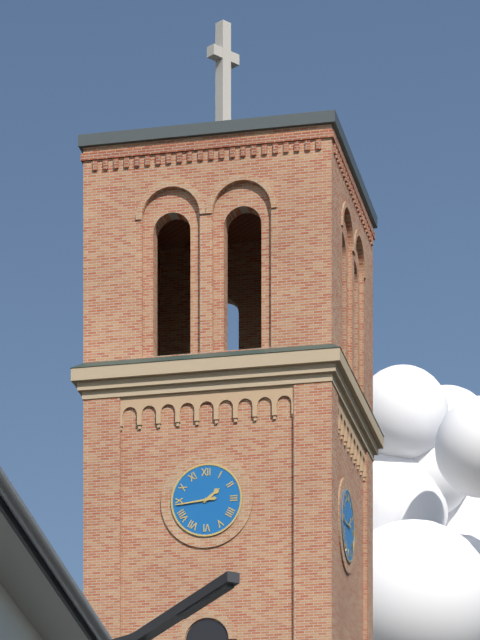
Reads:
{"hour": 1, "minute": 44}
